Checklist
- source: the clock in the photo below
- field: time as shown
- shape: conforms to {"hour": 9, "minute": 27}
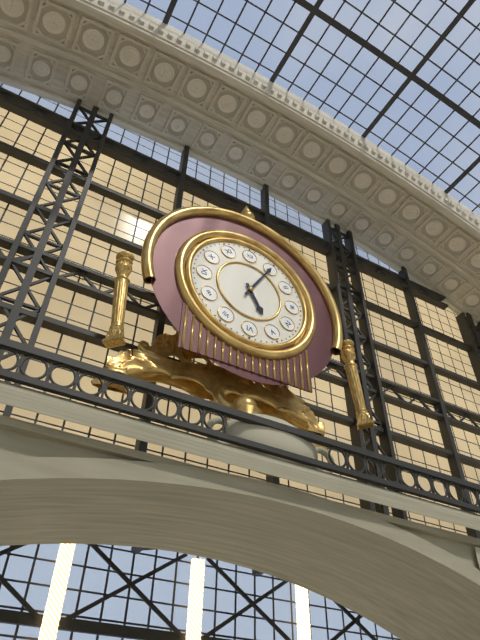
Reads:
{"hour": 5, "minute": 5}
